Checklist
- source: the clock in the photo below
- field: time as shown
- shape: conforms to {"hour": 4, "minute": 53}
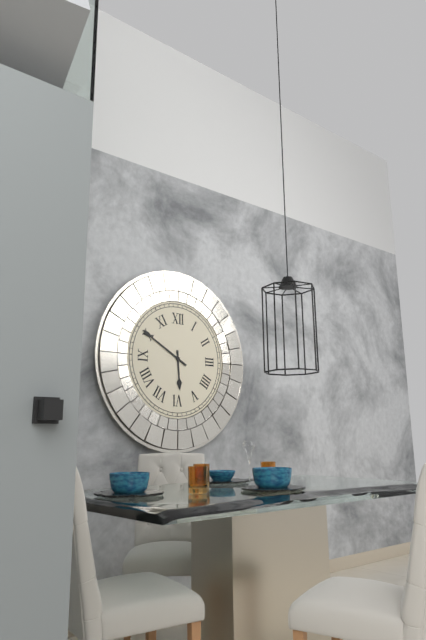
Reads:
{"hour": 5, "minute": 50}
